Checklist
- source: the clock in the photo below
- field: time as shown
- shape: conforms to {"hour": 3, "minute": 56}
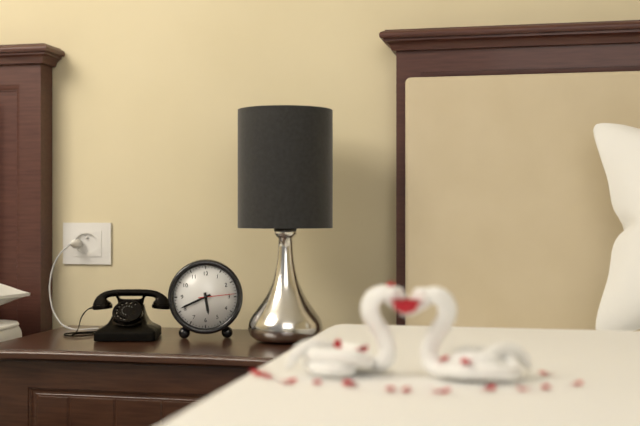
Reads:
{"hour": 5, "minute": 41}
